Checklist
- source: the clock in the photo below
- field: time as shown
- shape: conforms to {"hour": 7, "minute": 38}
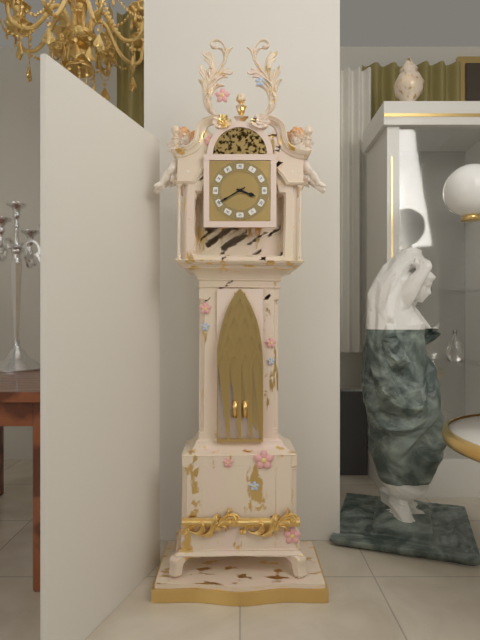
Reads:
{"hour": 3, "minute": 40}
